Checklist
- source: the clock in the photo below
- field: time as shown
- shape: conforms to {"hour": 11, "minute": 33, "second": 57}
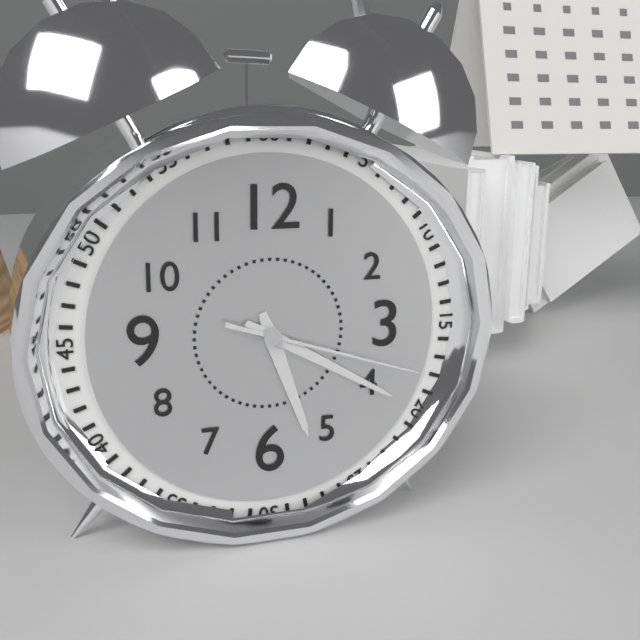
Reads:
{"hour": 5, "minute": 20, "second": 18}
